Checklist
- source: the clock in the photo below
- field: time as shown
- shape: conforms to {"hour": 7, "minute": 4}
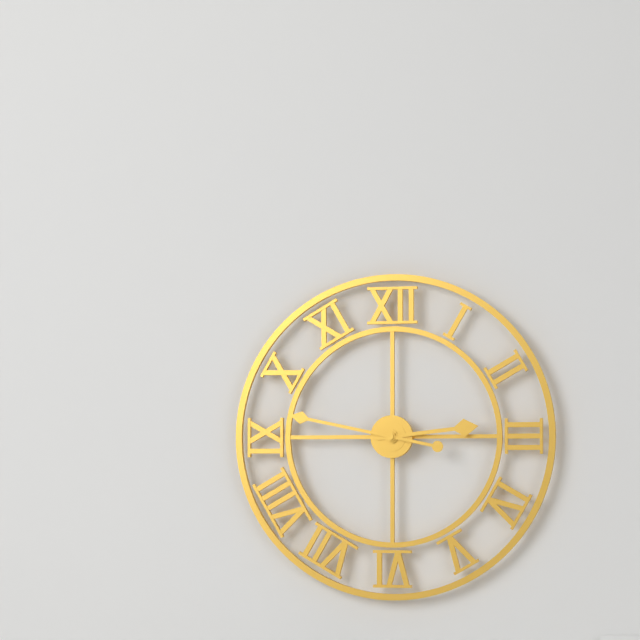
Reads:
{"hour": 2, "minute": 47}
